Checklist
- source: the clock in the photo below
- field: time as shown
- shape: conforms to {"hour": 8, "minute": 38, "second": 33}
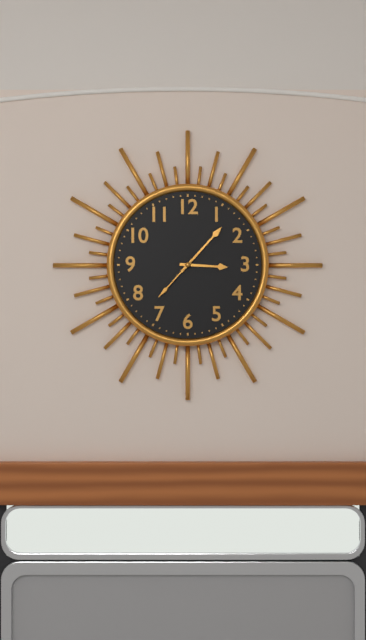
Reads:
{"hour": 3, "minute": 7, "second": 37}
